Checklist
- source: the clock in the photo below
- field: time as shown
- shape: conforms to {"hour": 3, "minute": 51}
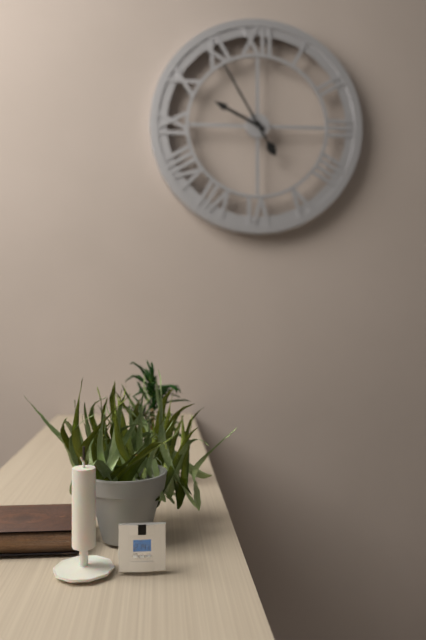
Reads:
{"hour": 9, "minute": 55}
